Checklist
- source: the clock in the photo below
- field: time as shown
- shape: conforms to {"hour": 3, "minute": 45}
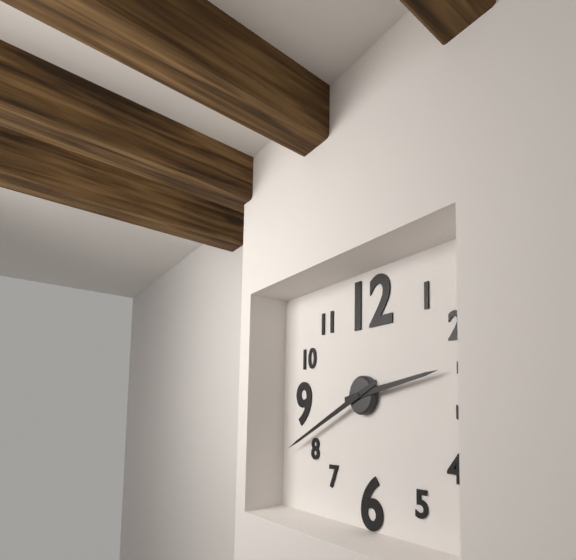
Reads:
{"hour": 2, "minute": 41}
